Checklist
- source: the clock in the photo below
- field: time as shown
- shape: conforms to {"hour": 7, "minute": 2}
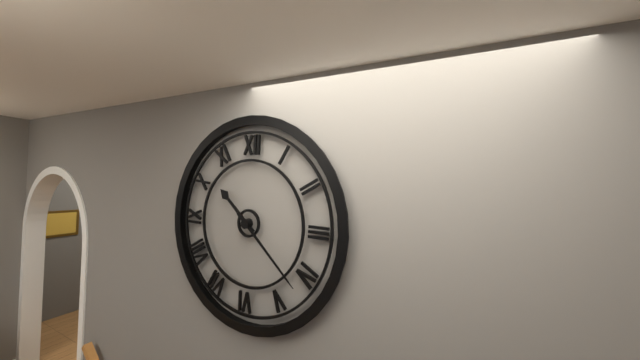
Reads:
{"hour": 10, "minute": 22}
